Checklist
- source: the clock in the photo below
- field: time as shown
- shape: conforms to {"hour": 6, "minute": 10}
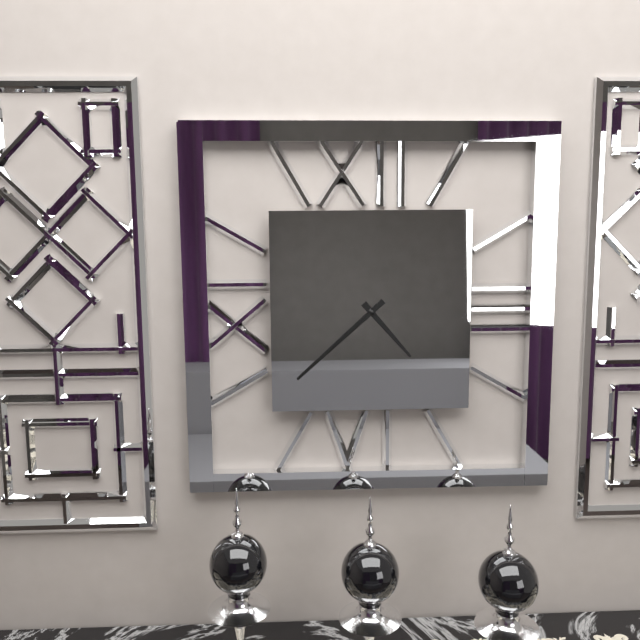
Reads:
{"hour": 4, "minute": 38}
